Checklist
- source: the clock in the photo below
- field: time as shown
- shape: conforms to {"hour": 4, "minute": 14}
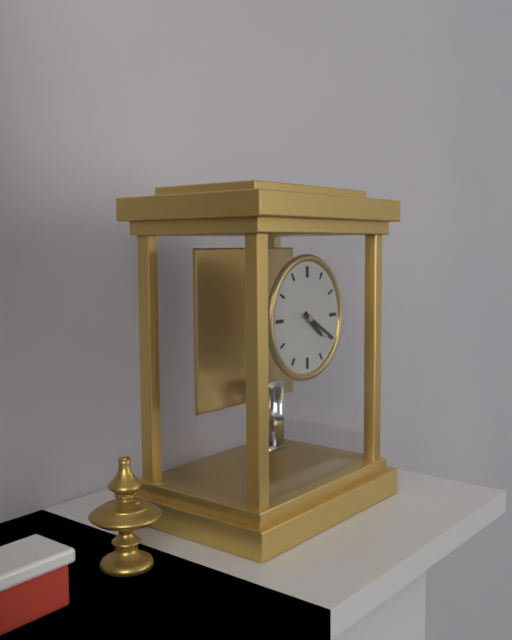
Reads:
{"hour": 4, "minute": 20}
